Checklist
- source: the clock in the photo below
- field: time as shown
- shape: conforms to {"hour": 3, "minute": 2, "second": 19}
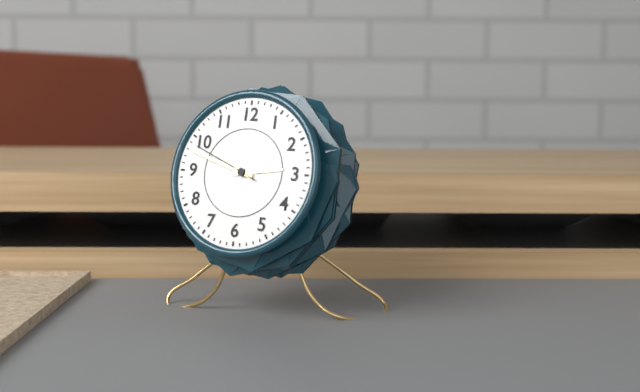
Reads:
{"hour": 2, "minute": 48, "second": 49}
